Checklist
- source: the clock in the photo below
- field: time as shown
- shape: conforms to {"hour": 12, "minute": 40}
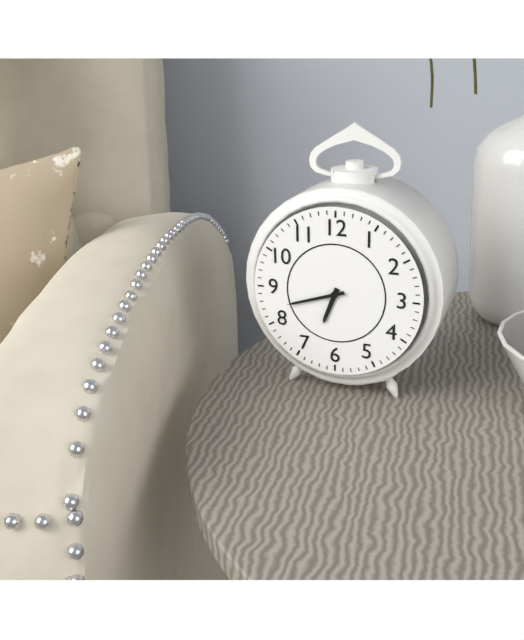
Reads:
{"hour": 6, "minute": 42}
